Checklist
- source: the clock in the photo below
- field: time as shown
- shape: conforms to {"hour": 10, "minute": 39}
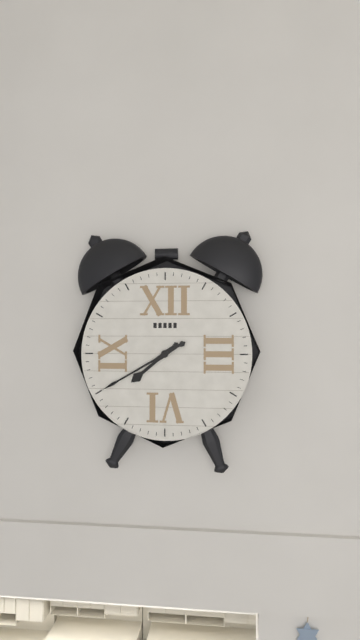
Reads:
{"hour": 7, "minute": 40}
